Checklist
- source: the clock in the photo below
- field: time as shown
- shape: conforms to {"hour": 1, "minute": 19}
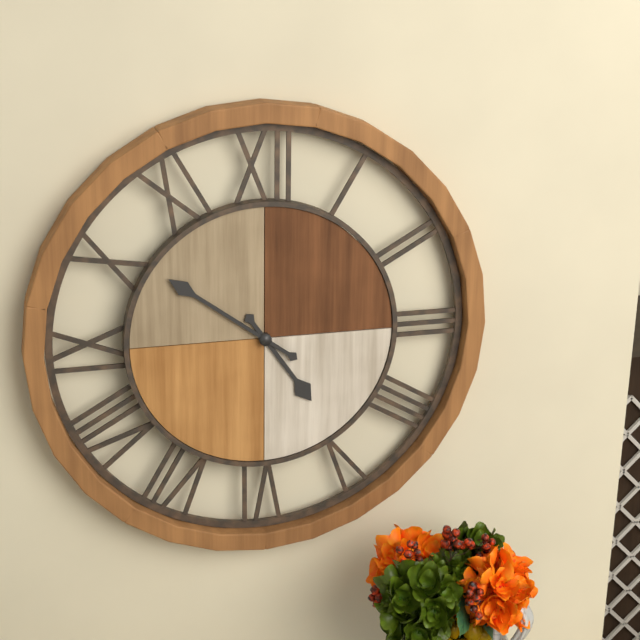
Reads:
{"hour": 4, "minute": 51}
